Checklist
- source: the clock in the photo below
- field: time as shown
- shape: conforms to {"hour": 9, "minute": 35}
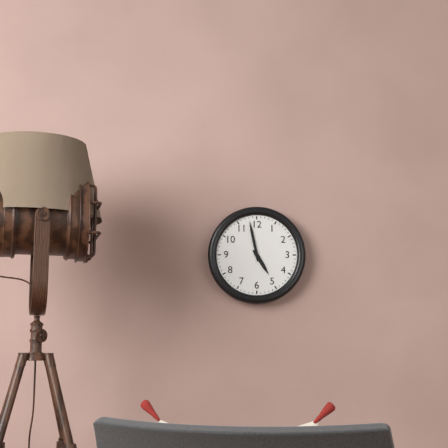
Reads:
{"hour": 4, "minute": 58}
